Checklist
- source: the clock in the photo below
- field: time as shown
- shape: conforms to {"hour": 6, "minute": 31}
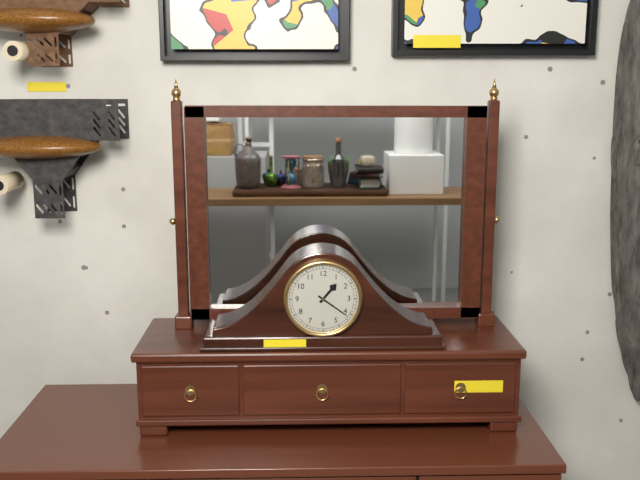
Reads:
{"hour": 1, "minute": 21}
